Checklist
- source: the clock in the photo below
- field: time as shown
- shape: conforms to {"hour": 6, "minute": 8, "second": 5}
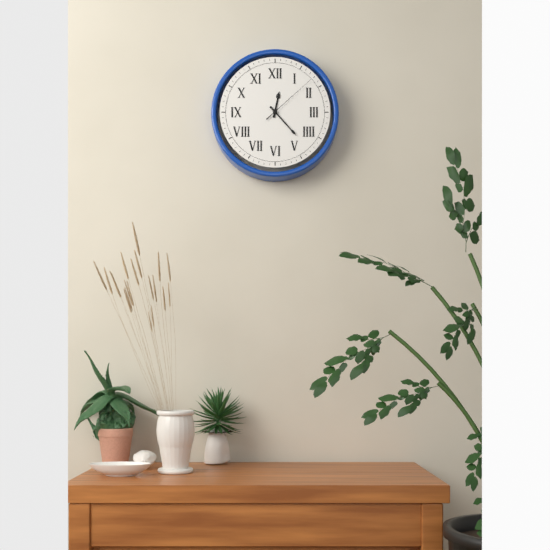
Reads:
{"hour": 12, "minute": 23, "second": 8}
